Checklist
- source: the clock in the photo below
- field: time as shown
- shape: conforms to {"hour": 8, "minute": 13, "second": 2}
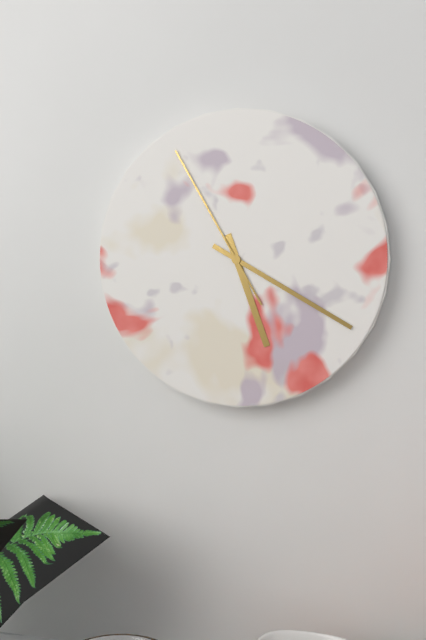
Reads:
{"hour": 5, "minute": 20, "second": 55}
